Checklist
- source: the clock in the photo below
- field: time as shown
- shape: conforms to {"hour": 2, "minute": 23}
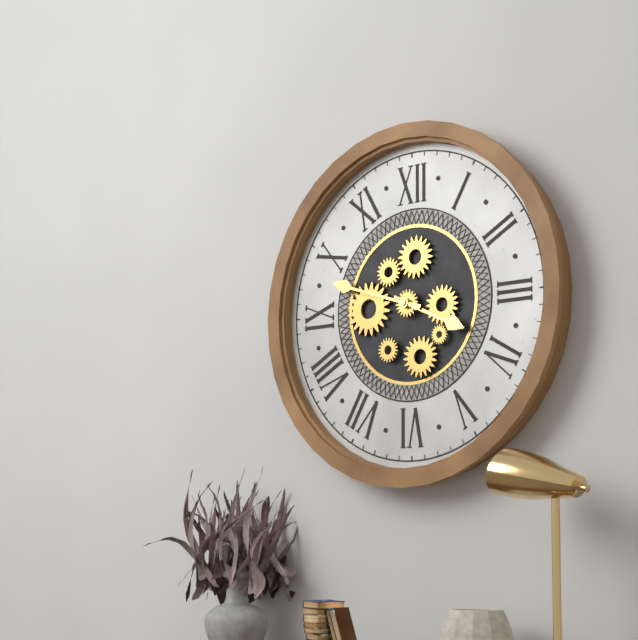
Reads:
{"hour": 3, "minute": 48}
